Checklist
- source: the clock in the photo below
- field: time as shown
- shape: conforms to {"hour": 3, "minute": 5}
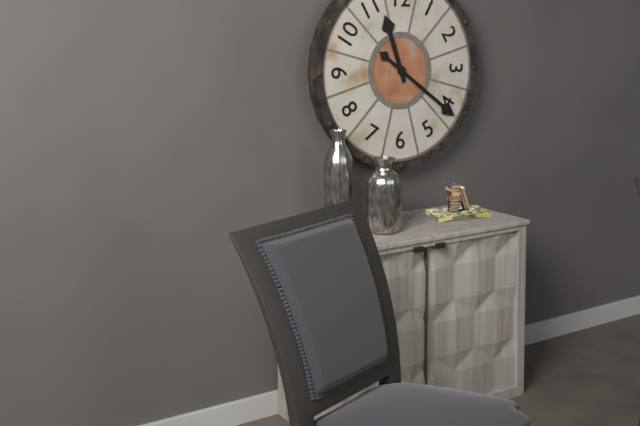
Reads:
{"hour": 11, "minute": 21}
